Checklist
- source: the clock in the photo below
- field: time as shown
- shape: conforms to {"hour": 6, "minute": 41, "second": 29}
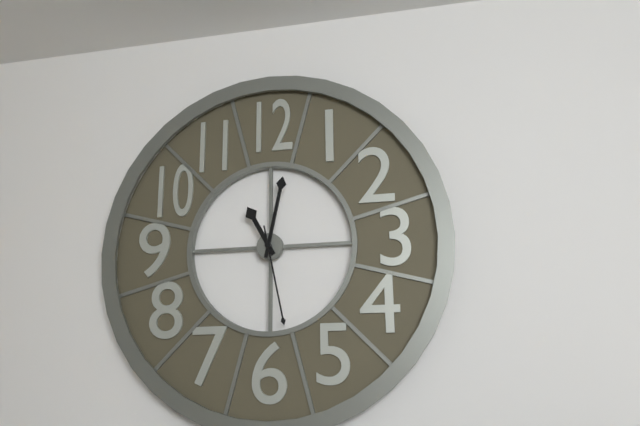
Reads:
{"hour": 11, "minute": 2, "second": 28}
